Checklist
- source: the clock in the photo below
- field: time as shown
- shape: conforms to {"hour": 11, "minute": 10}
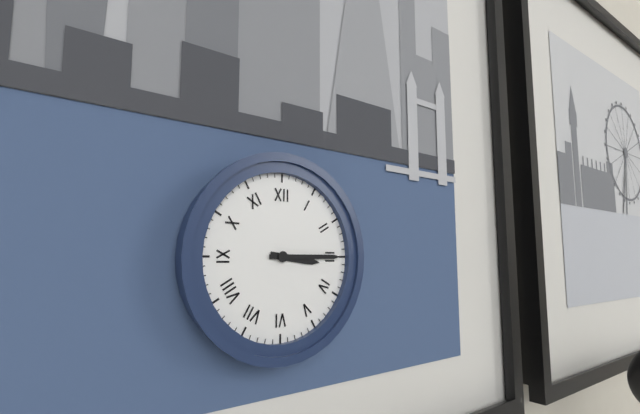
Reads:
{"hour": 3, "minute": 15}
